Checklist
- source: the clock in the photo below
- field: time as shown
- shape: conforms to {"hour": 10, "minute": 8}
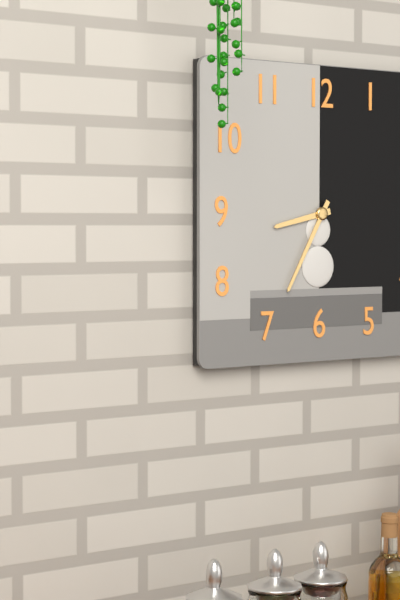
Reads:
{"hour": 8, "minute": 35}
